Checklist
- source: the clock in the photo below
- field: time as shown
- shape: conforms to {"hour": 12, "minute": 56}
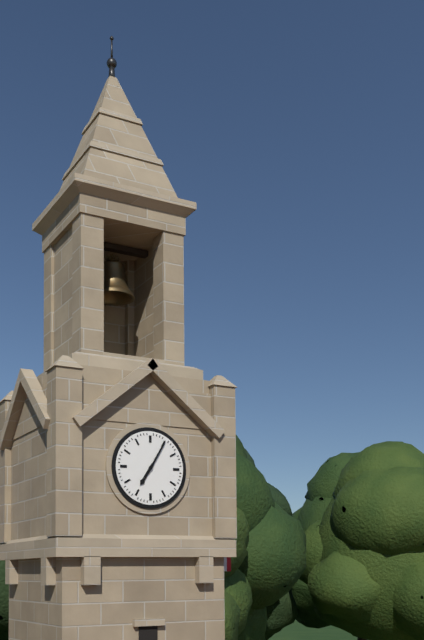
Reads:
{"hour": 7, "minute": 5}
